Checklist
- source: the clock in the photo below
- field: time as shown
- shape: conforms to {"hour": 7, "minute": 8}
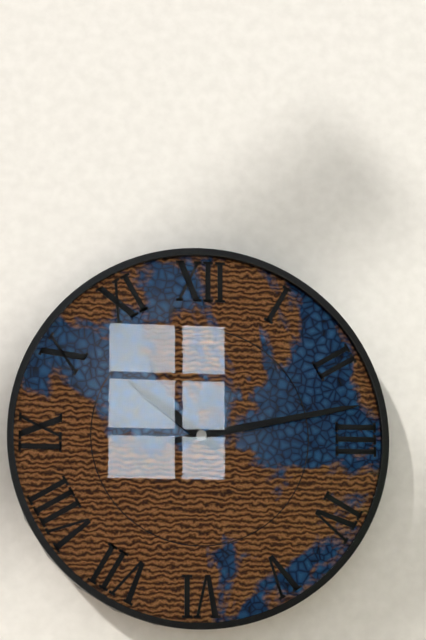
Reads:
{"hour": 10, "minute": 13}
